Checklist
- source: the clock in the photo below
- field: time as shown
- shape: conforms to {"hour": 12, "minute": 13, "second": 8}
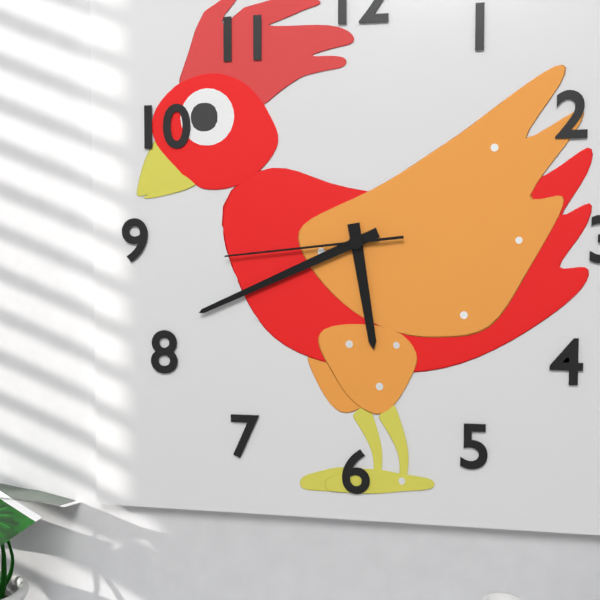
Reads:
{"hour": 5, "minute": 41, "second": 44}
